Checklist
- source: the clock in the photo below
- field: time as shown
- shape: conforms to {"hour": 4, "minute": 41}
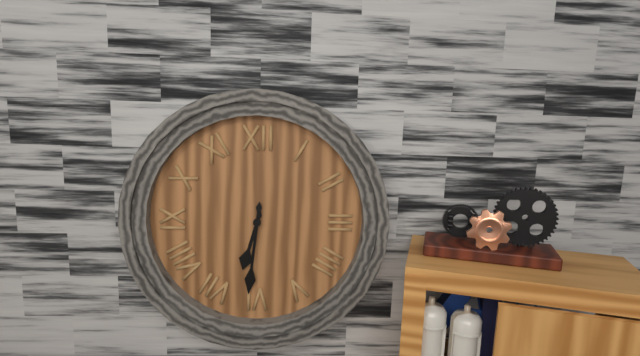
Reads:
{"hour": 6, "minute": 31}
